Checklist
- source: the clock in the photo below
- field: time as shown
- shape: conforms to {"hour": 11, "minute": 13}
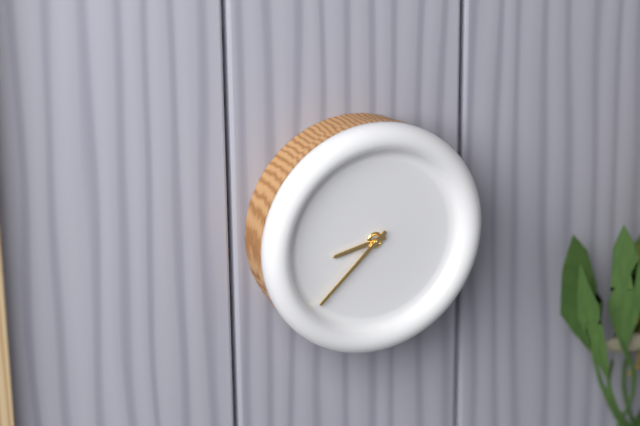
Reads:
{"hour": 8, "minute": 38}
